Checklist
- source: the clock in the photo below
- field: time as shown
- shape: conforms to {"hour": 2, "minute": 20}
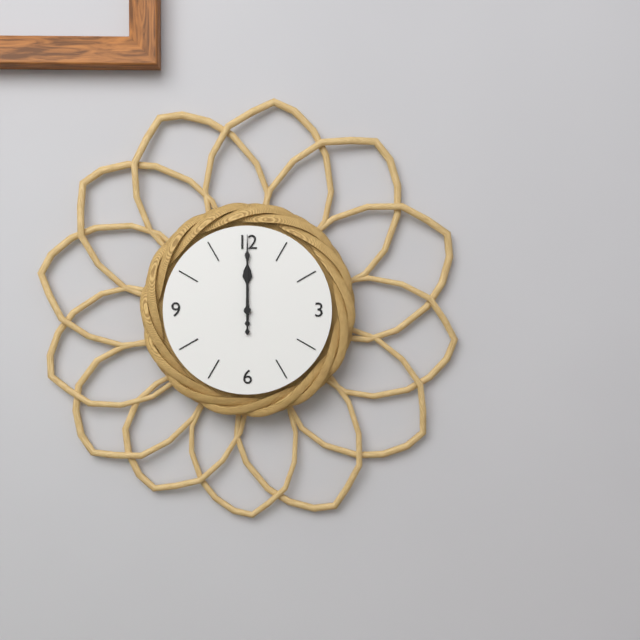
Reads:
{"hour": 12, "minute": 0}
